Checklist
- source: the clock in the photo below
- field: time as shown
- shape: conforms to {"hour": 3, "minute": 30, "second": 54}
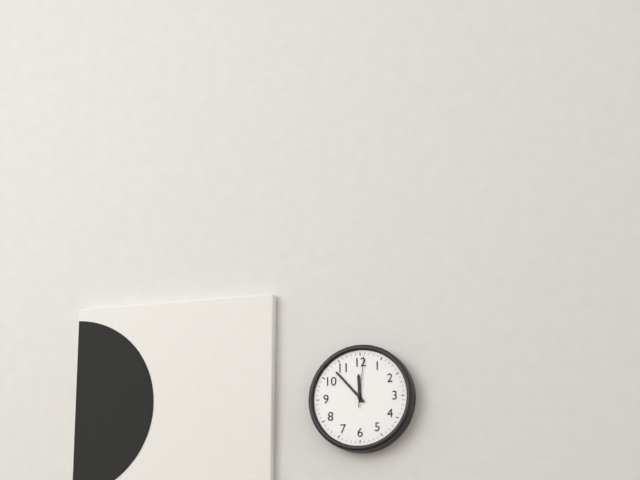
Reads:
{"hour": 11, "minute": 53, "second": 1}
